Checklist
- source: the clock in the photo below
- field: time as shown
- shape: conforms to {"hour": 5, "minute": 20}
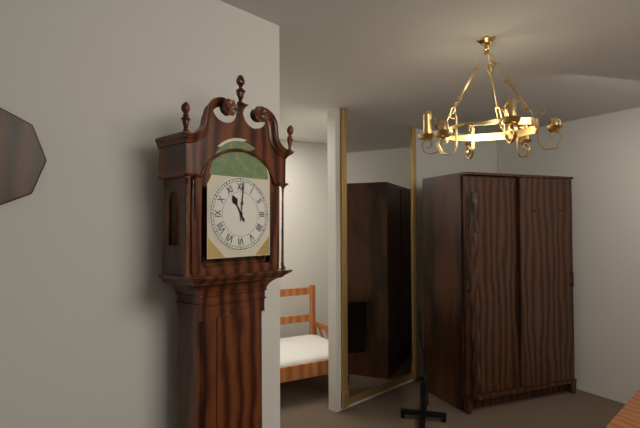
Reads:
{"hour": 11, "minute": 1}
